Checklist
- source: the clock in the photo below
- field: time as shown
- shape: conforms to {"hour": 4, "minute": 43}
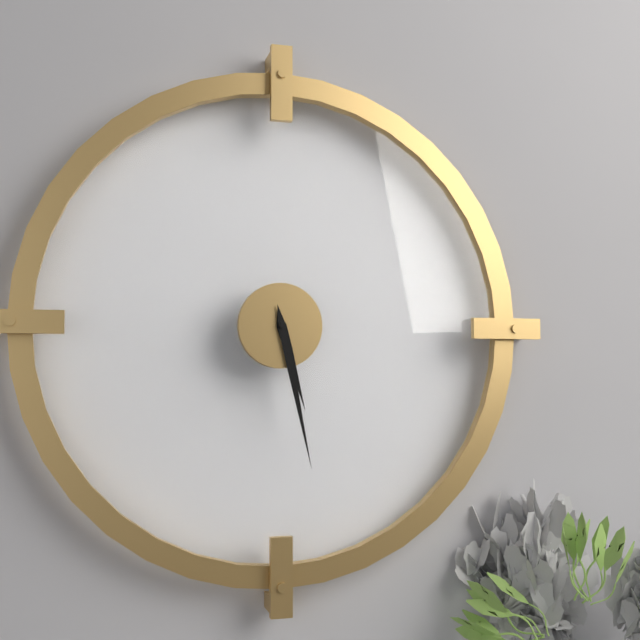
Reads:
{"hour": 5, "minute": 28}
